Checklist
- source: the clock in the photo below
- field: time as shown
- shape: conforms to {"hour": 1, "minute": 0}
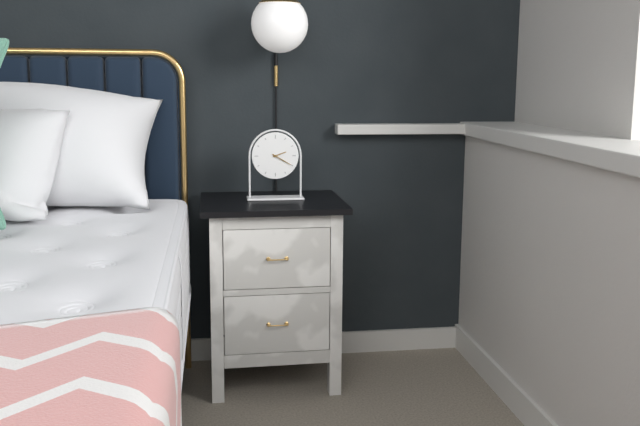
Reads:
{"hour": 2, "minute": 20}
